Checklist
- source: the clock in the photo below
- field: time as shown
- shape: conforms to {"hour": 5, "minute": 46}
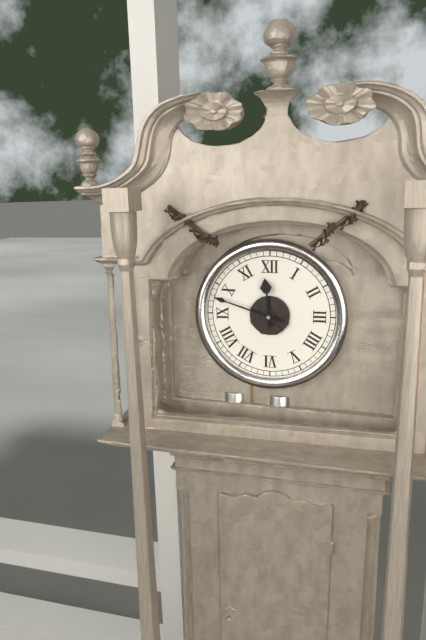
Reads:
{"hour": 11, "minute": 48}
